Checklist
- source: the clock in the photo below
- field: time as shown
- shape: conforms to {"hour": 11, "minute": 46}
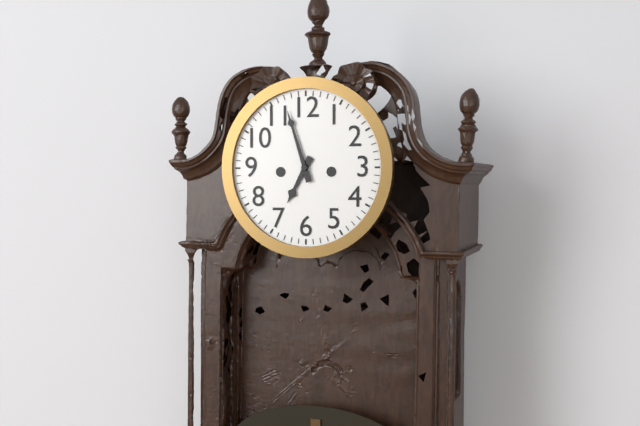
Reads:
{"hour": 6, "minute": 57}
